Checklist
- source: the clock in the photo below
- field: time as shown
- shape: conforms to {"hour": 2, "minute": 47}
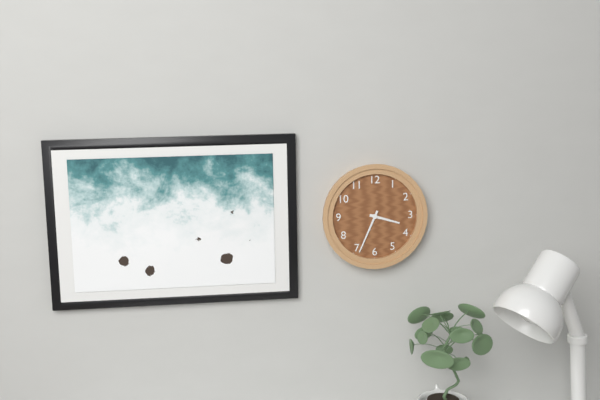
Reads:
{"hour": 3, "minute": 34}
